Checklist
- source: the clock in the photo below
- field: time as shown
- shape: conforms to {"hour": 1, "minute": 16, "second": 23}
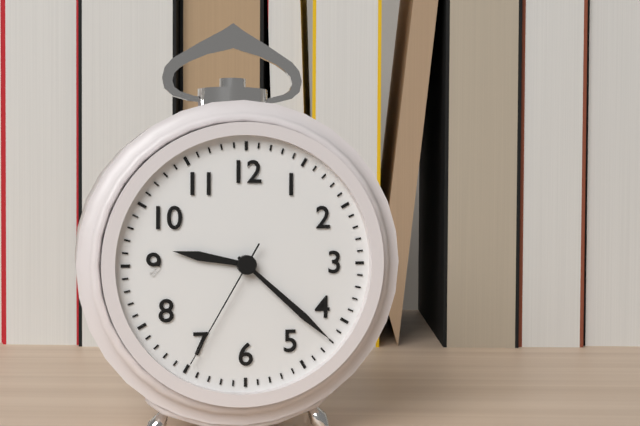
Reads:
{"hour": 9, "minute": 22, "second": 35}
